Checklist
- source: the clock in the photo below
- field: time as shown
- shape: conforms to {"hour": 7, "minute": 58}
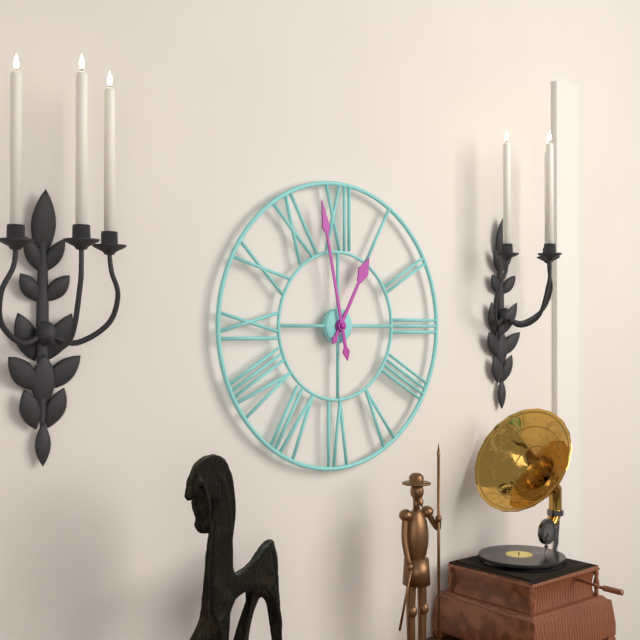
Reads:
{"hour": 12, "minute": 58}
